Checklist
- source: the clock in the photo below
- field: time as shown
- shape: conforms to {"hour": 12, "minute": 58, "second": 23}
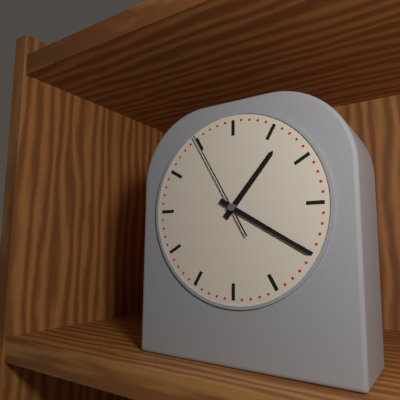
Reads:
{"hour": 1, "minute": 20, "second": 55}
